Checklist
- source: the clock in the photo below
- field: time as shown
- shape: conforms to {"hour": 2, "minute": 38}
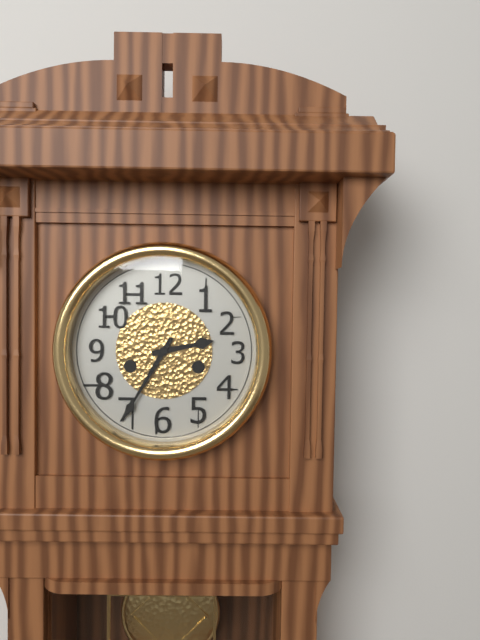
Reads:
{"hour": 2, "minute": 35}
